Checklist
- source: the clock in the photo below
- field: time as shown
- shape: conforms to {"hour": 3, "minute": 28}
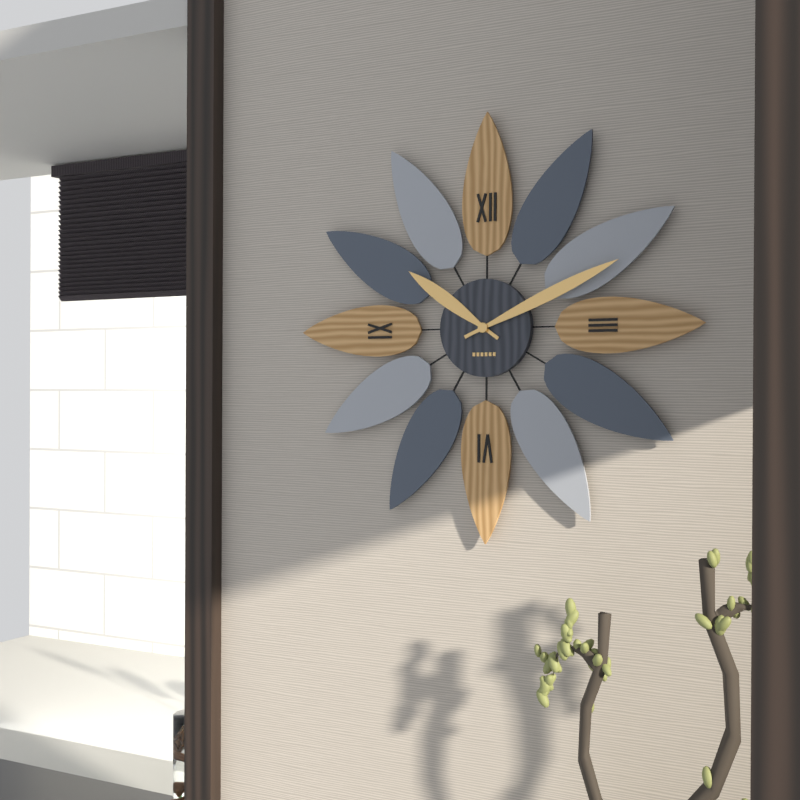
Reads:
{"hour": 10, "minute": 11}
